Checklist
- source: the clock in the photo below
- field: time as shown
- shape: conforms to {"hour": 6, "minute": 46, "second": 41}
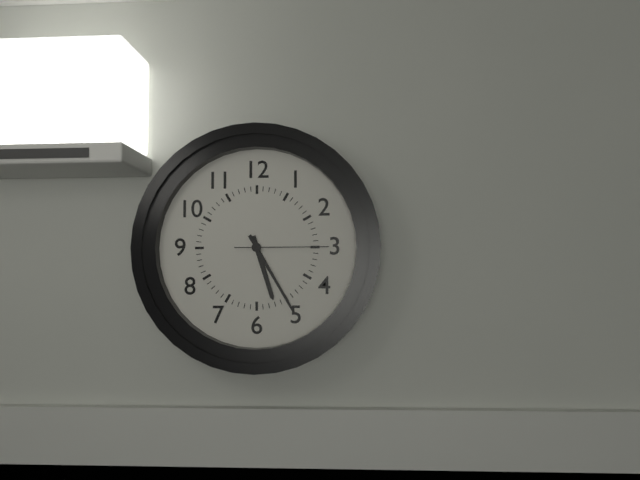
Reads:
{"hour": 5, "minute": 25, "second": 15}
